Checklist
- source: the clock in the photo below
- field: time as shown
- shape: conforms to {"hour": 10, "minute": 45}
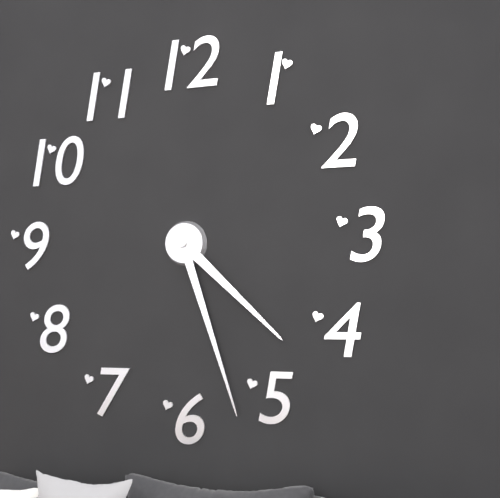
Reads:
{"hour": 4, "minute": 27}
